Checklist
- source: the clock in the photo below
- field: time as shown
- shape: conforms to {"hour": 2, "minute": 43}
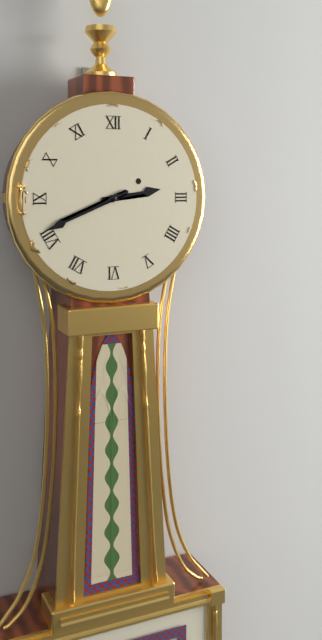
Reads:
{"hour": 2, "minute": 41}
